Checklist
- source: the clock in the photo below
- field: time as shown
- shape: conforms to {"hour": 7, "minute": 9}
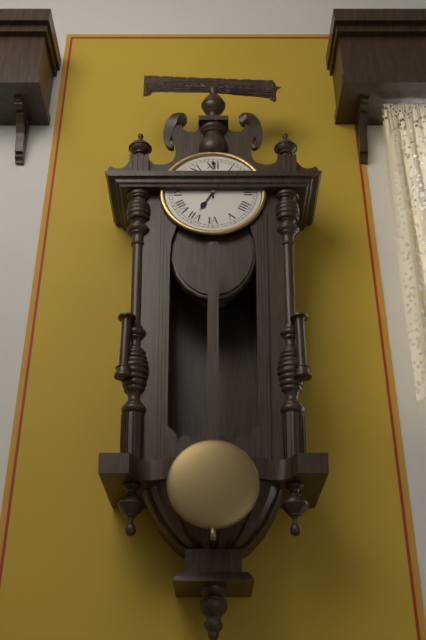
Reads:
{"hour": 7, "minute": 0}
